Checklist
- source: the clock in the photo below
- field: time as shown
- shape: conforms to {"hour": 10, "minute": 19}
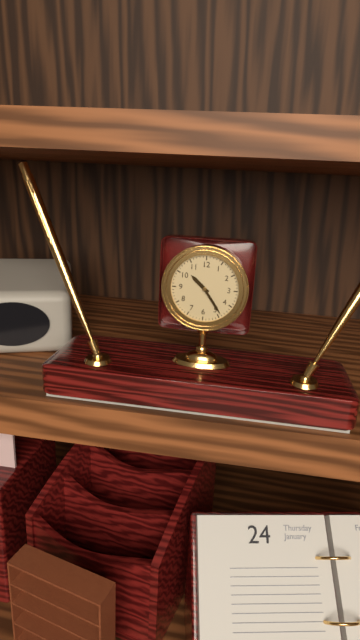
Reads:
{"hour": 10, "minute": 24}
